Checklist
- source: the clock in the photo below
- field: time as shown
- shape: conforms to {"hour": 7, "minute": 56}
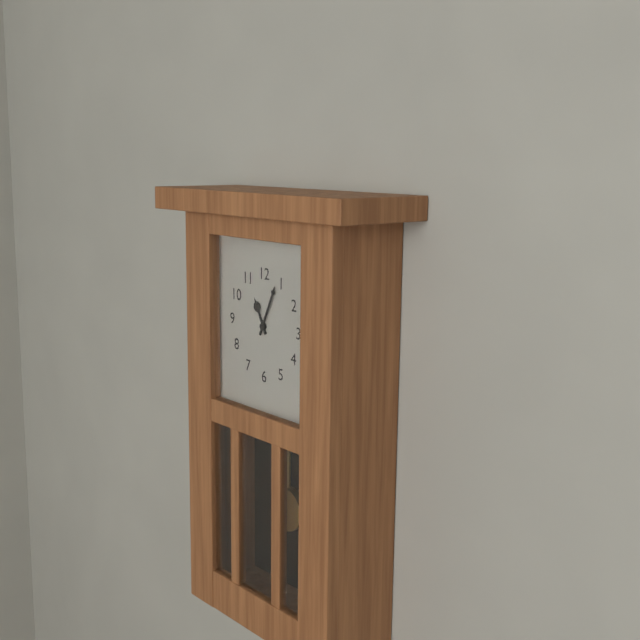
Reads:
{"hour": 11, "minute": 4}
